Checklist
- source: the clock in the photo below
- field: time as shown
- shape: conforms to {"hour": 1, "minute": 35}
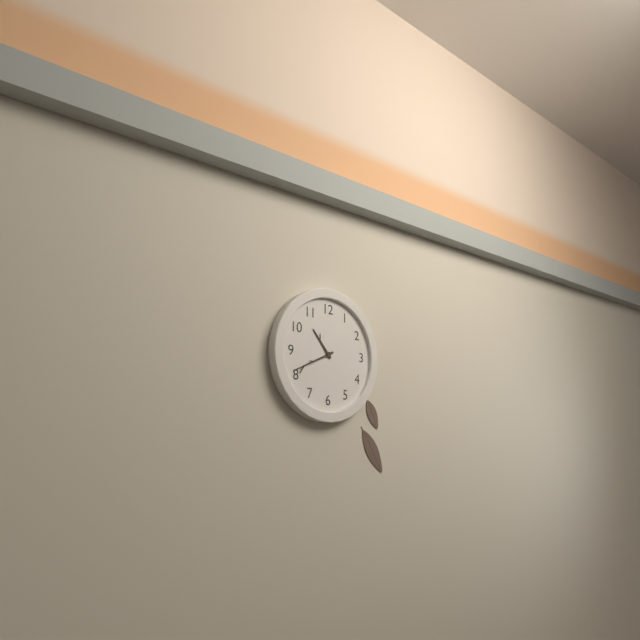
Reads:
{"hour": 10, "minute": 41}
